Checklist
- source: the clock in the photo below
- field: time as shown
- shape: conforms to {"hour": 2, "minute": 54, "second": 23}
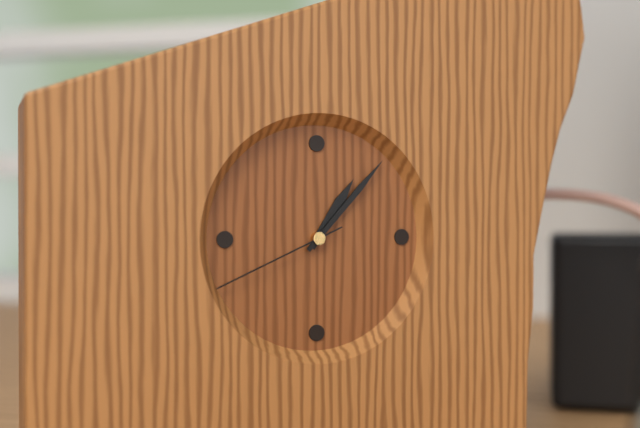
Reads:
{"hour": 1, "minute": 7, "second": 41}
